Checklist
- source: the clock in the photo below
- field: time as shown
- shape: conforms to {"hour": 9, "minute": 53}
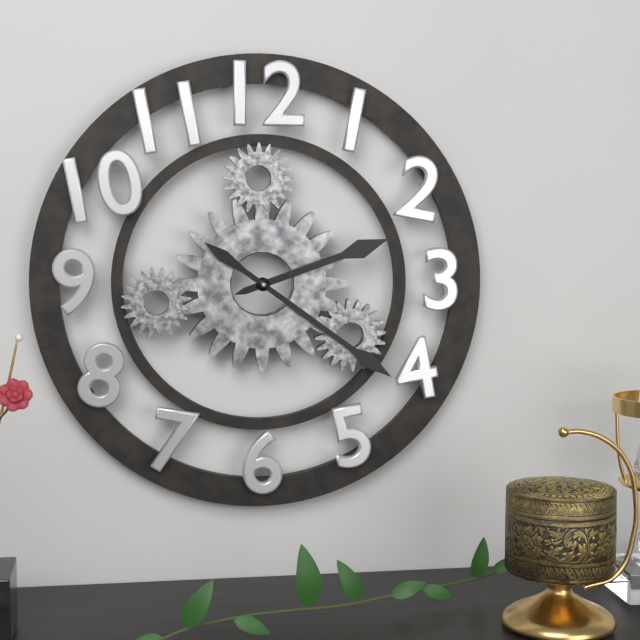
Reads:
{"hour": 2, "minute": 21}
